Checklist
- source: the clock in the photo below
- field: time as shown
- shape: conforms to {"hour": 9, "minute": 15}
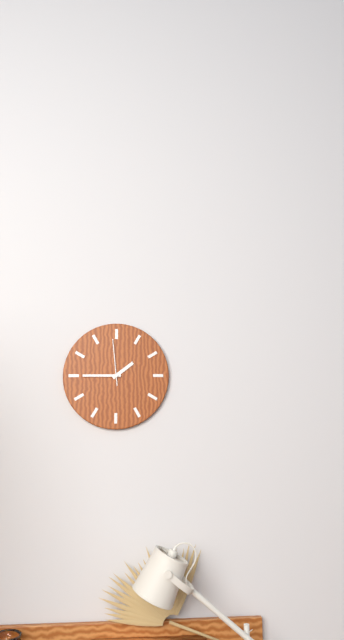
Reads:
{"hour": 1, "minute": 45}
